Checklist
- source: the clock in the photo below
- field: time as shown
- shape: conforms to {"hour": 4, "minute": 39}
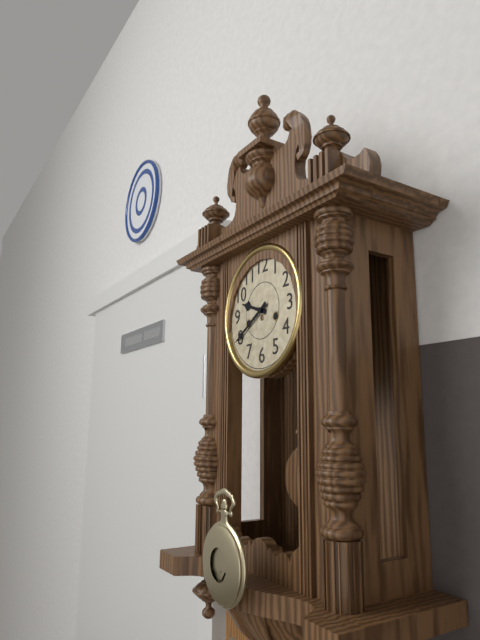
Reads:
{"hour": 9, "minute": 40}
